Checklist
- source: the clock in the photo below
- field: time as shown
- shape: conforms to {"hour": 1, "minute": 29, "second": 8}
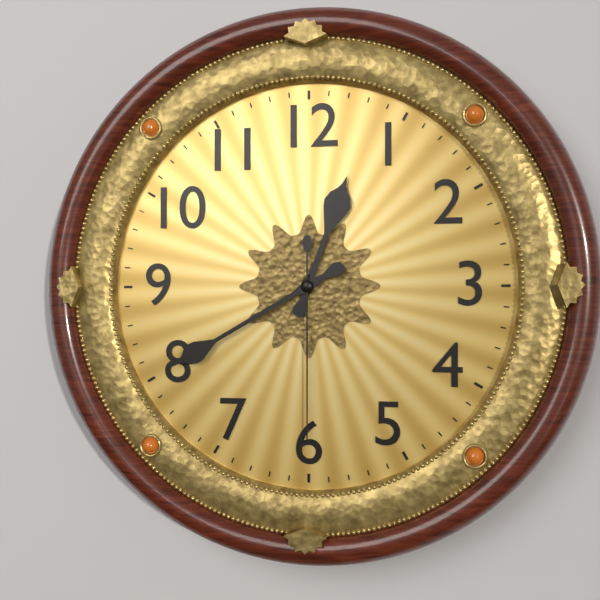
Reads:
{"hour": 12, "minute": 40, "second": 30}
